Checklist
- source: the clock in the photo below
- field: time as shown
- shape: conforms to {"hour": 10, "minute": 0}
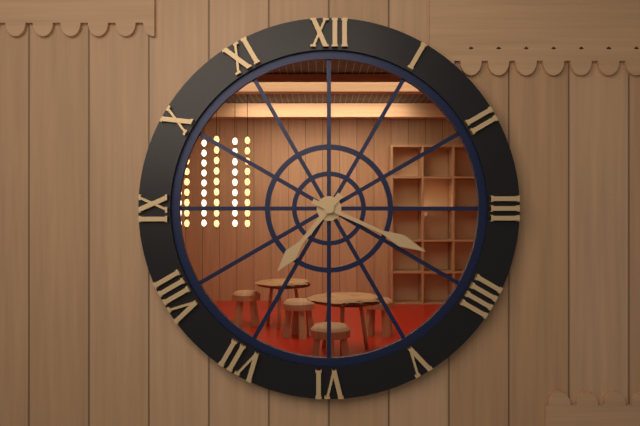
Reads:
{"hour": 7, "minute": 19}
